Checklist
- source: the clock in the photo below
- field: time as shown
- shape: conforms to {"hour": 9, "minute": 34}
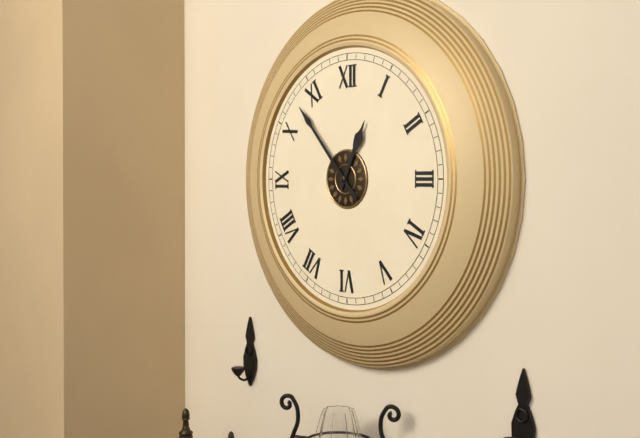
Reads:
{"hour": 12, "minute": 53}
